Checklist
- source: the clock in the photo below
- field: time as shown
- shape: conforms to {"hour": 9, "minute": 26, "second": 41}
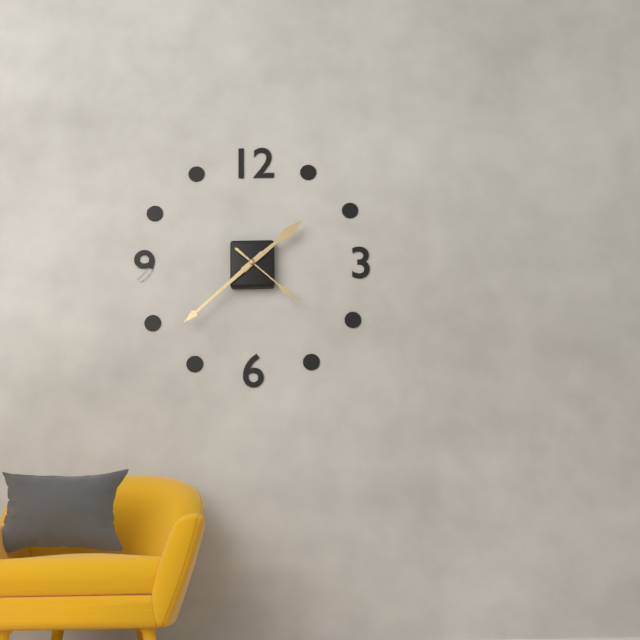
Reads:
{"hour": 1, "minute": 38, "second": 22}
